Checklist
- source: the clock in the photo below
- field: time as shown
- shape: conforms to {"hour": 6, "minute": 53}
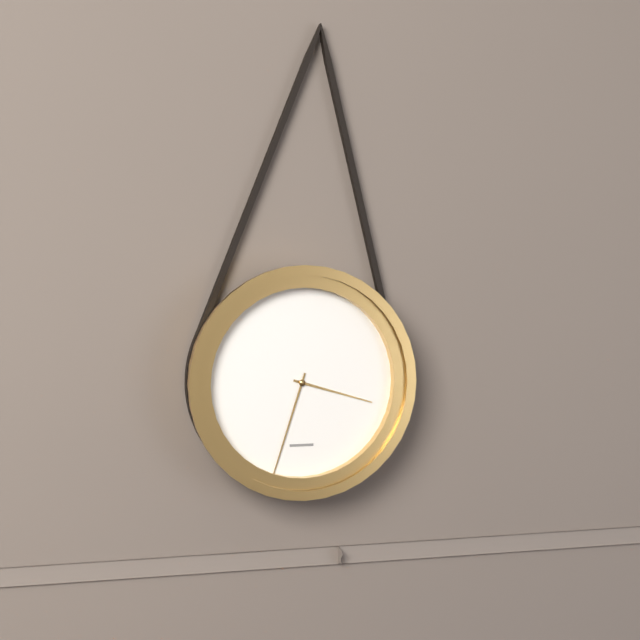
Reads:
{"hour": 3, "minute": 33}
